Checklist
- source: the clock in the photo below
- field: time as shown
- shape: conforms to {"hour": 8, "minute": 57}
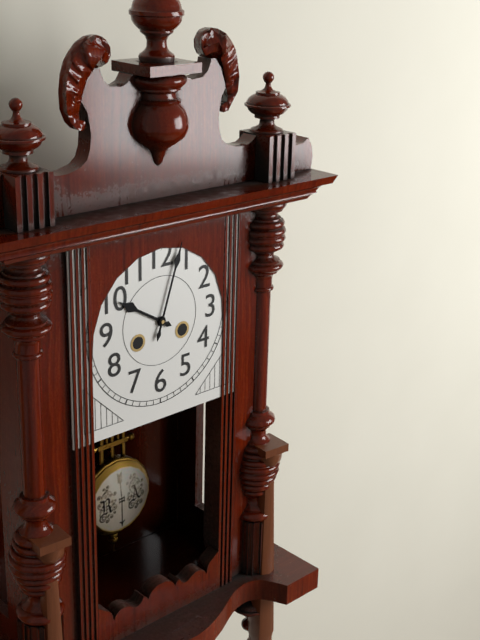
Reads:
{"hour": 10, "minute": 3}
